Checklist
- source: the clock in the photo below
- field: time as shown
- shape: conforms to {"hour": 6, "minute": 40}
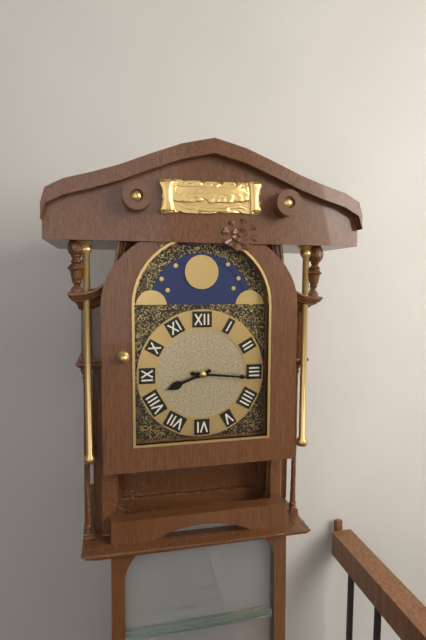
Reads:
{"hour": 8, "minute": 16}
